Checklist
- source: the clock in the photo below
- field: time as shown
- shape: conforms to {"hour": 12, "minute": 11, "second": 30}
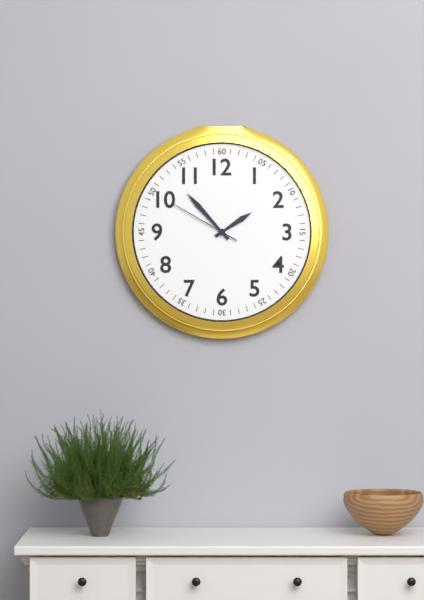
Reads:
{"hour": 1, "minute": 53, "second": 50}
